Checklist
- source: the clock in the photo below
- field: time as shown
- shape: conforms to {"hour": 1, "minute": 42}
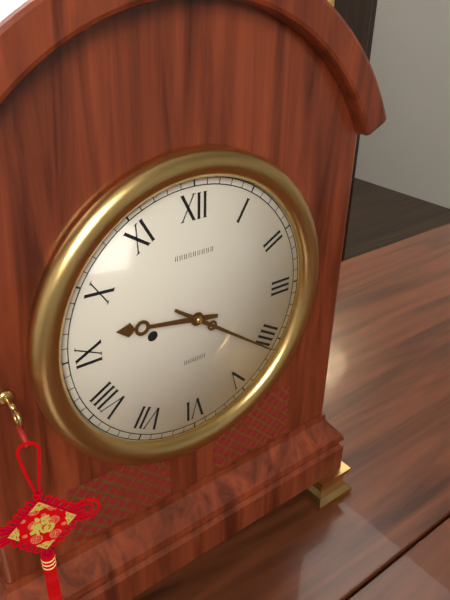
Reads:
{"hour": 9, "minute": 21}
